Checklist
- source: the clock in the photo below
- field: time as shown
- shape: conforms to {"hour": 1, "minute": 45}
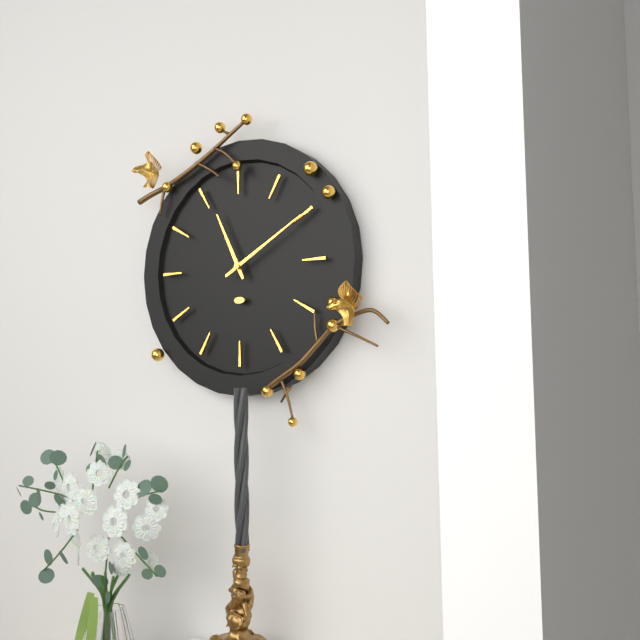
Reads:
{"hour": 11, "minute": 10}
